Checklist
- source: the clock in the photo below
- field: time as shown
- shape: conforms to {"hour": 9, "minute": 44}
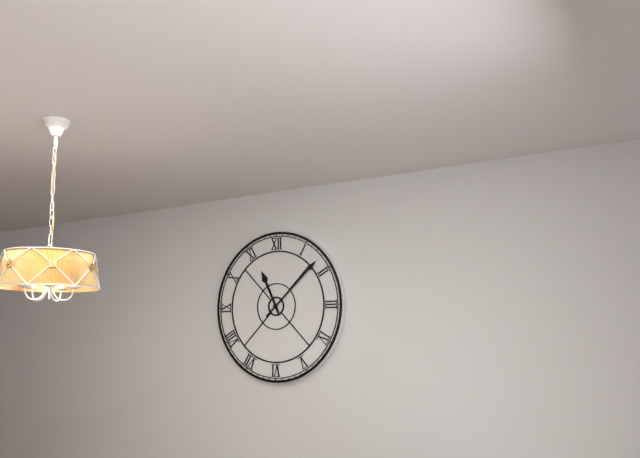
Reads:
{"hour": 11, "minute": 8}
